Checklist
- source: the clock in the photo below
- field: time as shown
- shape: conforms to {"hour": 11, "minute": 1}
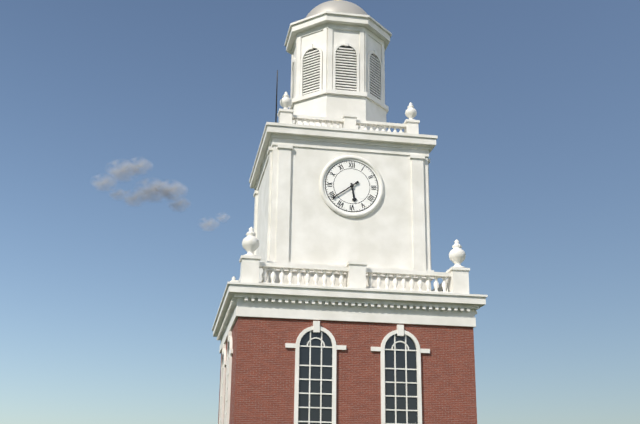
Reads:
{"hour": 5, "minute": 39}
